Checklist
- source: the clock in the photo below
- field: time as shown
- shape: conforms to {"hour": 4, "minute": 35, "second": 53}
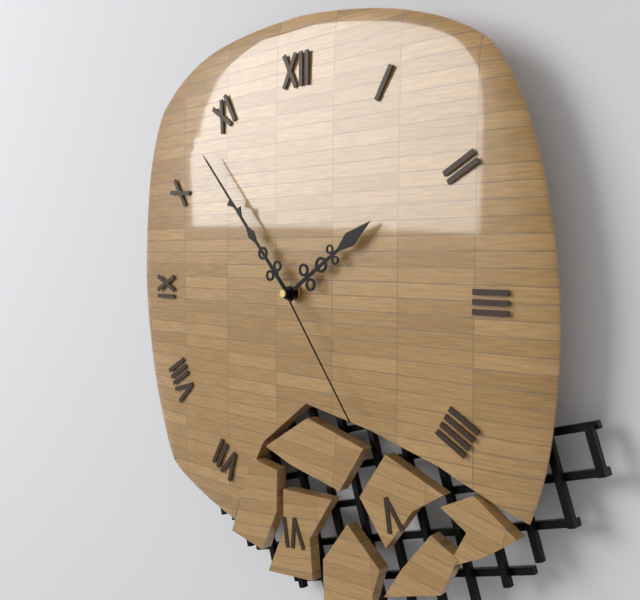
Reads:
{"hour": 1, "minute": 53, "second": 24}
